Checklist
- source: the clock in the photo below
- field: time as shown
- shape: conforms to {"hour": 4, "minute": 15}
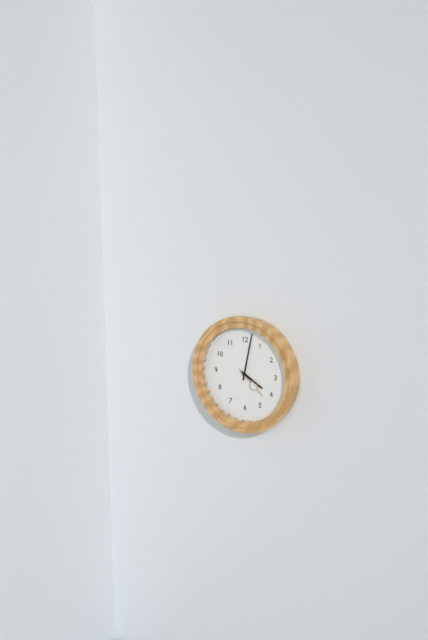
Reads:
{"hour": 4, "minute": 2}
